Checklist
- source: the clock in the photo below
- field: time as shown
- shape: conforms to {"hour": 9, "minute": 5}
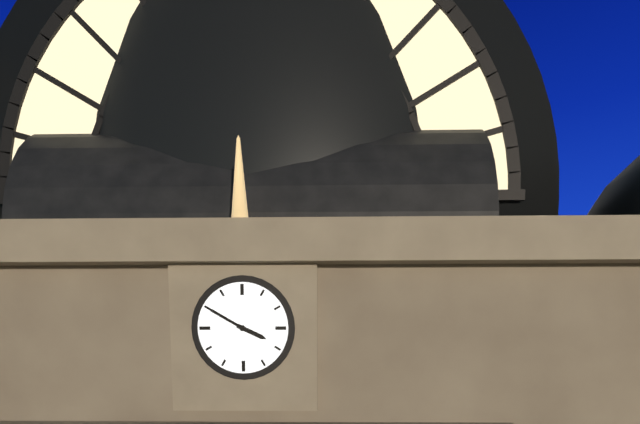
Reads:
{"hour": 3, "minute": 50}
